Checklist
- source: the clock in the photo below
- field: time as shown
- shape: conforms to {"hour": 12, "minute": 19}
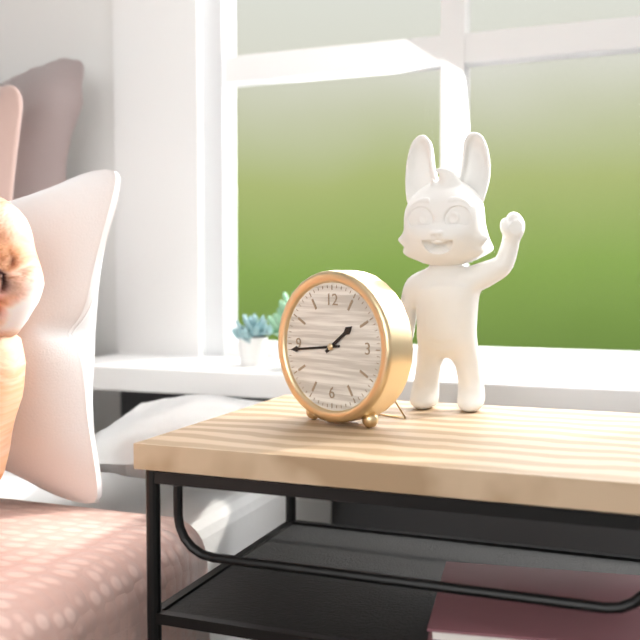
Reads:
{"hour": 1, "minute": 44}
